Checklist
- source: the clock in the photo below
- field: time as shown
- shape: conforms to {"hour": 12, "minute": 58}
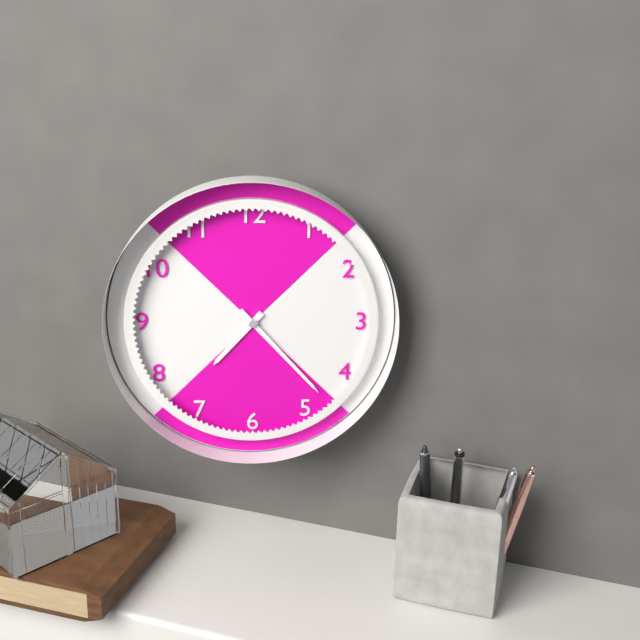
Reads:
{"hour": 7, "minute": 23}
